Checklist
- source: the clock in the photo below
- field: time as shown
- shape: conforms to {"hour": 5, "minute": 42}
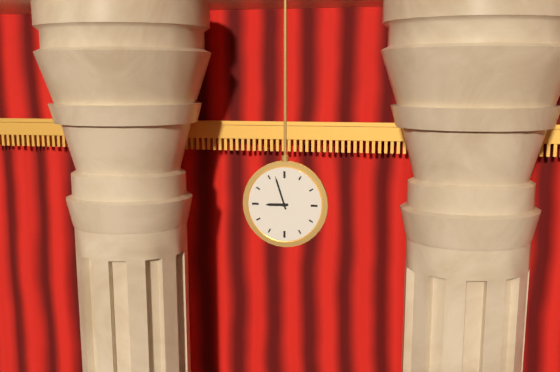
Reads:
{"hour": 8, "minute": 57}
